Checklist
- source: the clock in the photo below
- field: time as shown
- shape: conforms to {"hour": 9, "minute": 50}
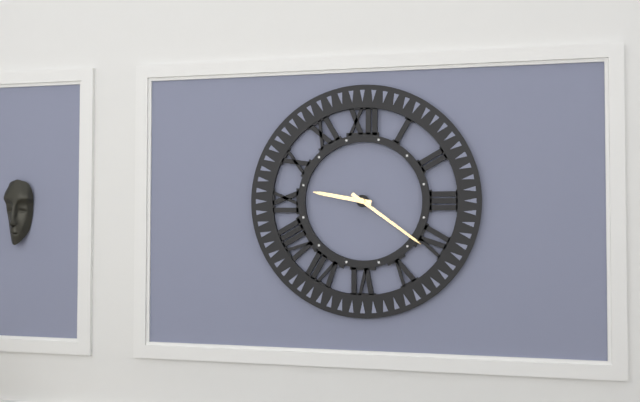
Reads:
{"hour": 9, "minute": 21}
